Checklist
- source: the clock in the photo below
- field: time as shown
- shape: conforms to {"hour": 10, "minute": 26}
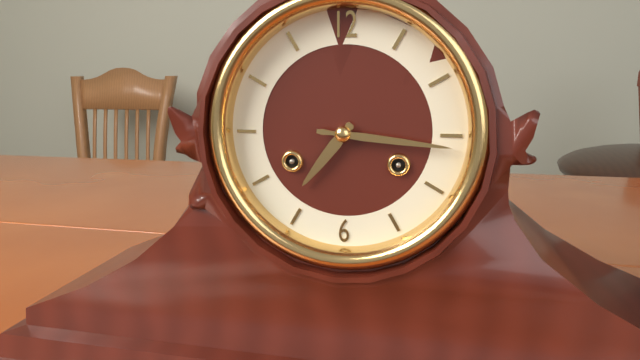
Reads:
{"hour": 7, "minute": 16}
